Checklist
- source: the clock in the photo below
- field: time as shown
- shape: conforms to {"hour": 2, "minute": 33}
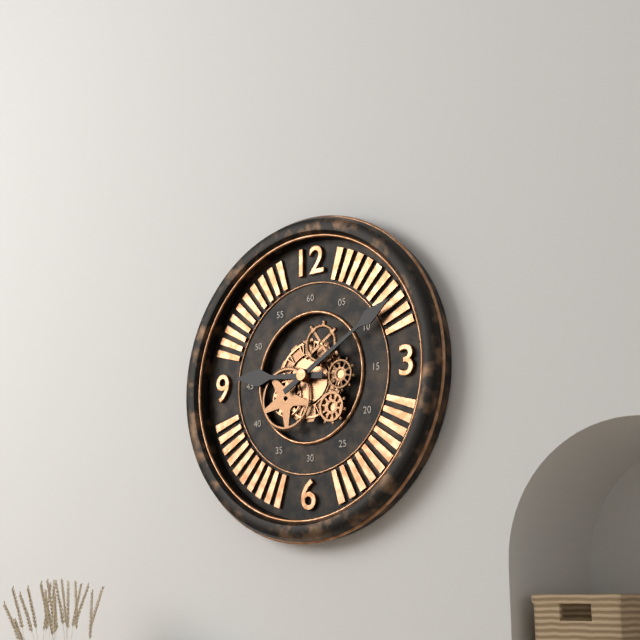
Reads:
{"hour": 9, "minute": 10}
